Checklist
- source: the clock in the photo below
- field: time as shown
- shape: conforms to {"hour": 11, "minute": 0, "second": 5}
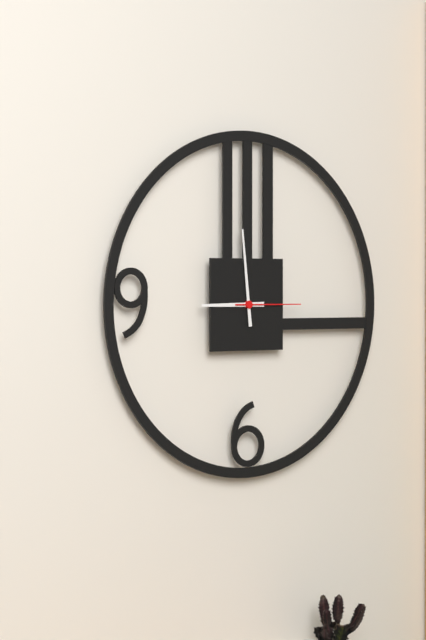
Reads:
{"hour": 8, "minute": 59, "second": 15}
